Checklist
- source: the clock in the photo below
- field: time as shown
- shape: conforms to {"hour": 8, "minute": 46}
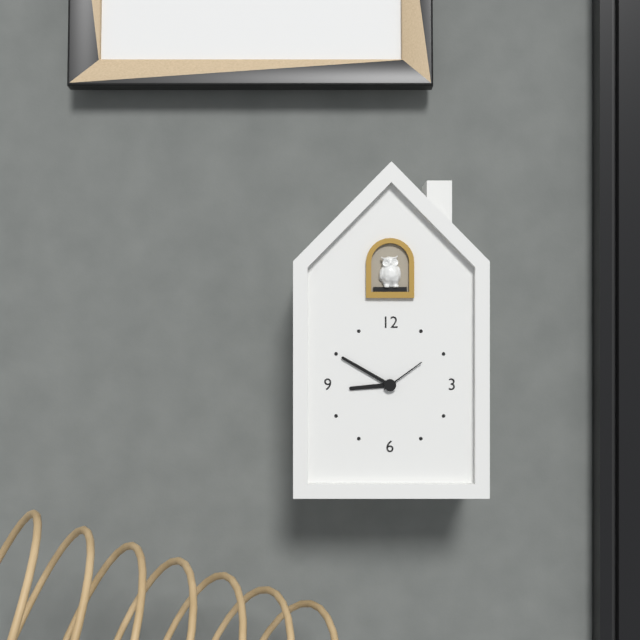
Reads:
{"hour": 8, "minute": 50}
